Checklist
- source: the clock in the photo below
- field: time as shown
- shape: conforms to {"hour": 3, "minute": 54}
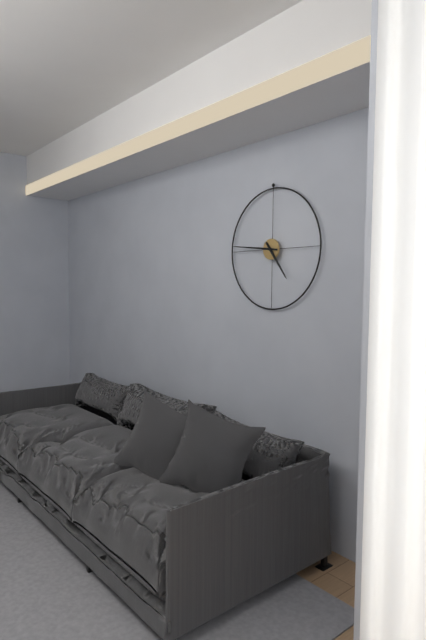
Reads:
{"hour": 4, "minute": 46}
